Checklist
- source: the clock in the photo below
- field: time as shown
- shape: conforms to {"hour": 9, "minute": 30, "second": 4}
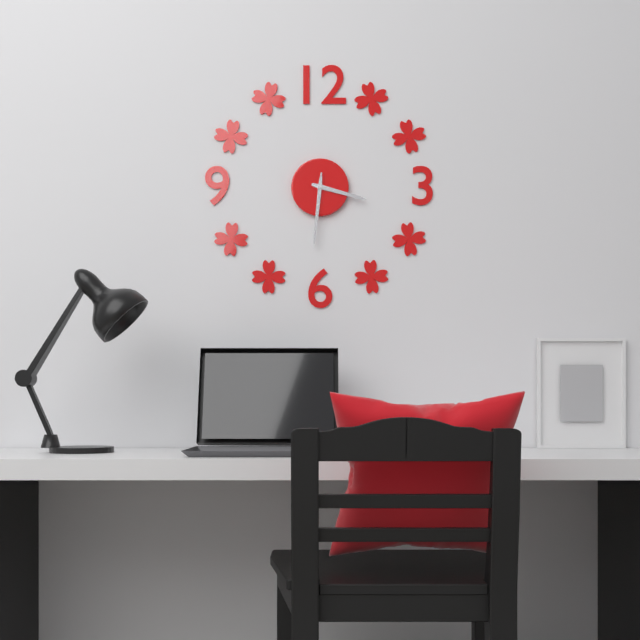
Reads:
{"hour": 3, "minute": 31, "second": 31}
